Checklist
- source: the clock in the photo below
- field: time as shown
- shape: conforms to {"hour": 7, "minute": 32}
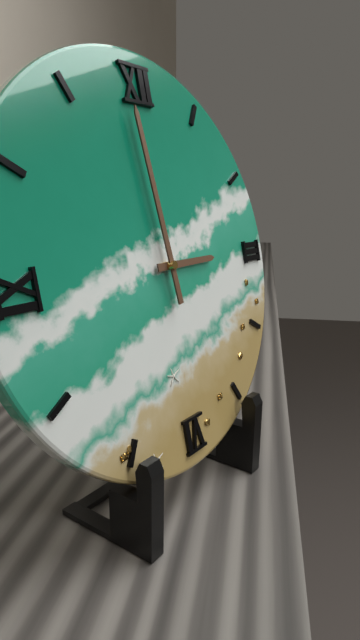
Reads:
{"hour": 2, "minute": 59}
